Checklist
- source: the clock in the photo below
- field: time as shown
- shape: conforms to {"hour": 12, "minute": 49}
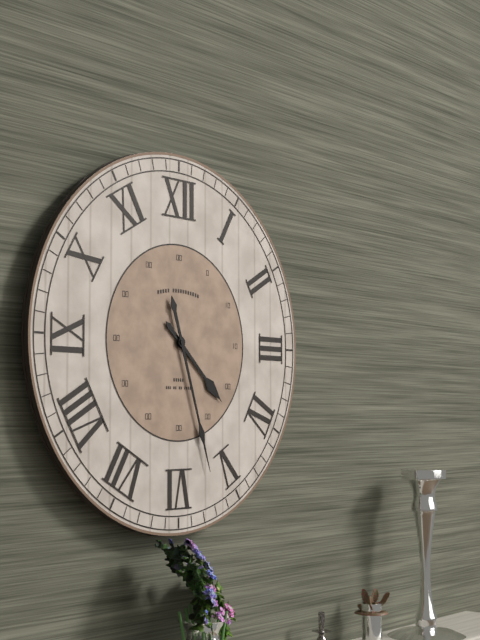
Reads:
{"hour": 4, "minute": 27}
